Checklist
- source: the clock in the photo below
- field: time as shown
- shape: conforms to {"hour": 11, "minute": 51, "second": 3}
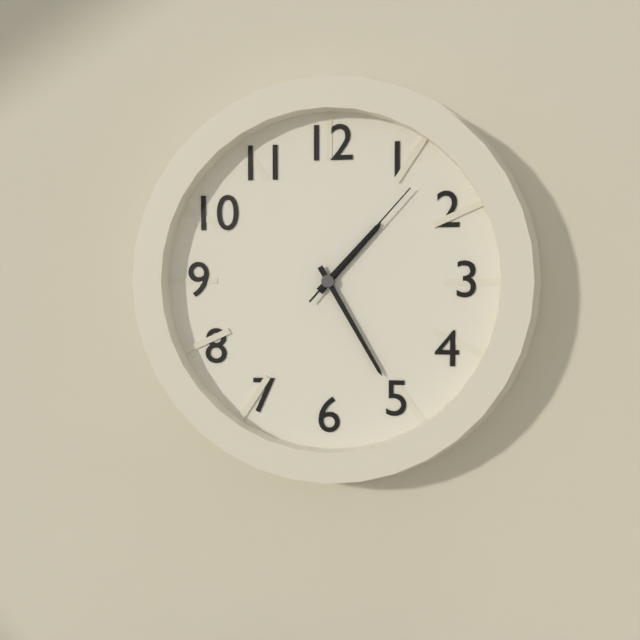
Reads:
{"hour": 1, "minute": 25, "second": 7}
